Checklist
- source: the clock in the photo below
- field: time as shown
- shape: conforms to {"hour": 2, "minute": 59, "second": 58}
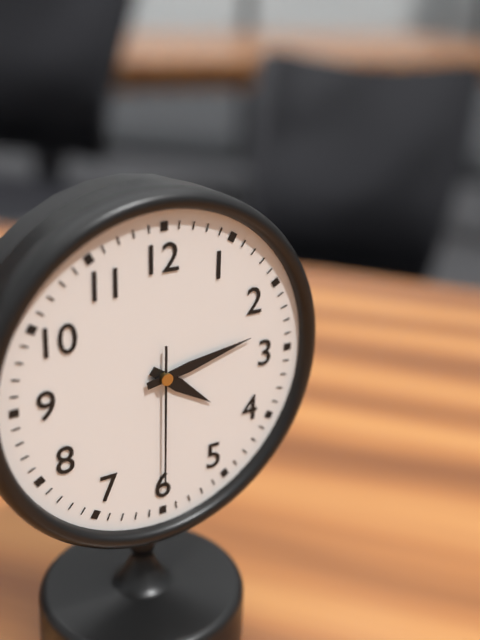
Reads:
{"hour": 4, "minute": 13, "second": 30}
